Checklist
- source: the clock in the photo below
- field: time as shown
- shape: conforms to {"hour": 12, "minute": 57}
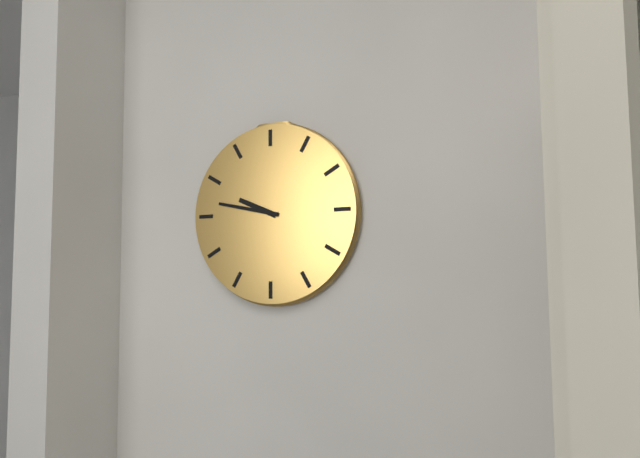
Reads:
{"hour": 9, "minute": 47}
